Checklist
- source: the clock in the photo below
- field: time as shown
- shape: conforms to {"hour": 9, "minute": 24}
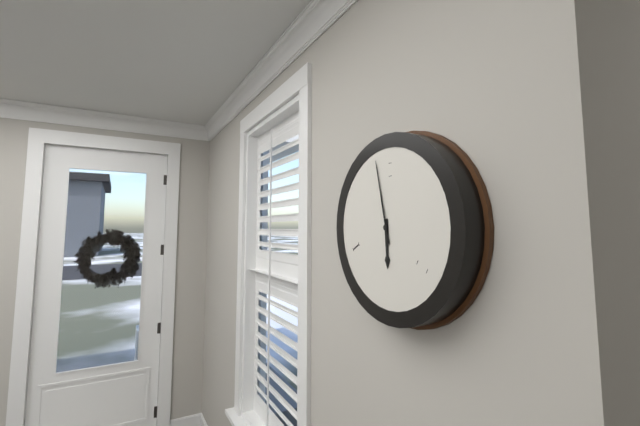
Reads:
{"hour": 5, "minute": 58}
